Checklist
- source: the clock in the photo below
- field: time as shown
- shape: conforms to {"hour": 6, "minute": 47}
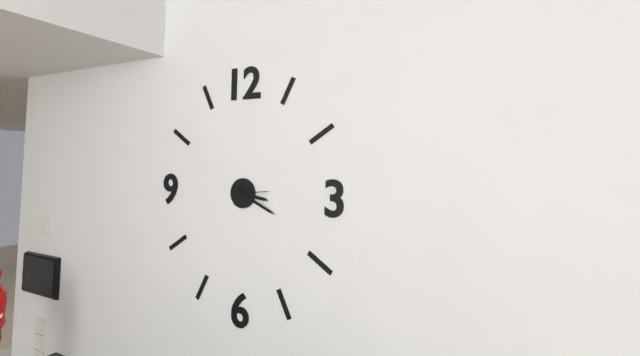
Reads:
{"hour": 3, "minute": 19}
